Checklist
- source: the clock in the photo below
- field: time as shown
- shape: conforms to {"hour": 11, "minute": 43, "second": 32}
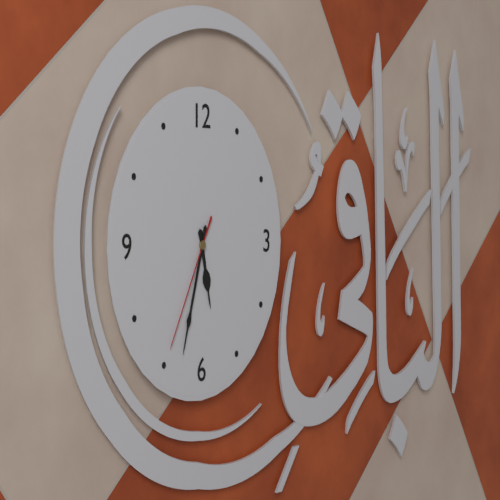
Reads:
{"hour": 5, "minute": 33, "second": 35}
